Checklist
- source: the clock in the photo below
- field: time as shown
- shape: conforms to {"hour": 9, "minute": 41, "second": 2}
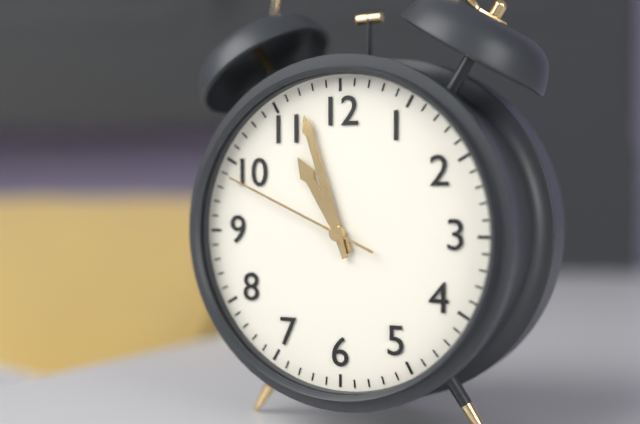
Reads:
{"hour": 10, "minute": 57, "second": 49}
